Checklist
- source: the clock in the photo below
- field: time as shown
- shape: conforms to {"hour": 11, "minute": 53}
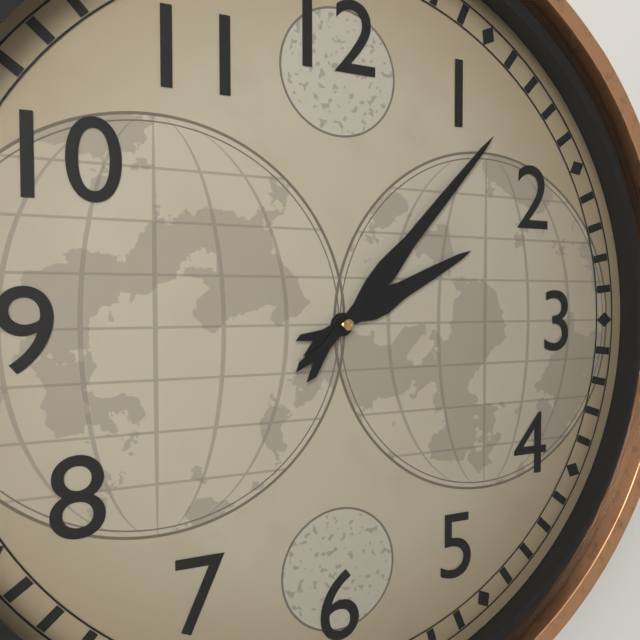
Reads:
{"hour": 2, "minute": 7}
